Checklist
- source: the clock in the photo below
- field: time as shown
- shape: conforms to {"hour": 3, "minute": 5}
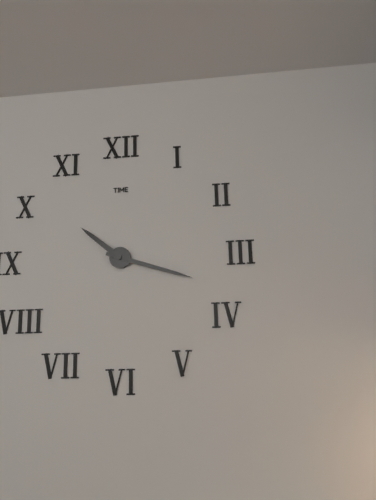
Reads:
{"hour": 10, "minute": 18}
